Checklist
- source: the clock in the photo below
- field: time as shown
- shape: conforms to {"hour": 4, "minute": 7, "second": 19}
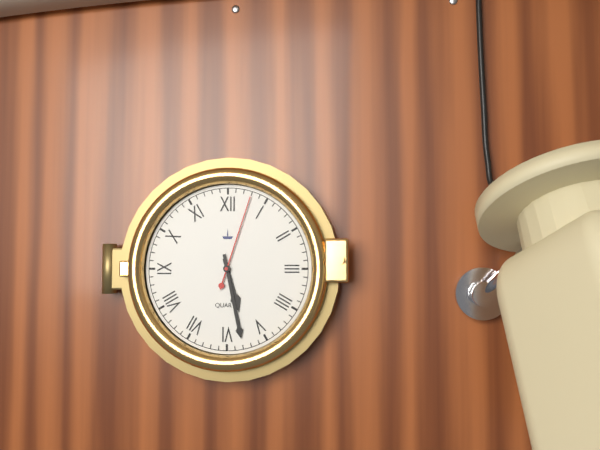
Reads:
{"hour": 5, "minute": 28, "second": 3}
